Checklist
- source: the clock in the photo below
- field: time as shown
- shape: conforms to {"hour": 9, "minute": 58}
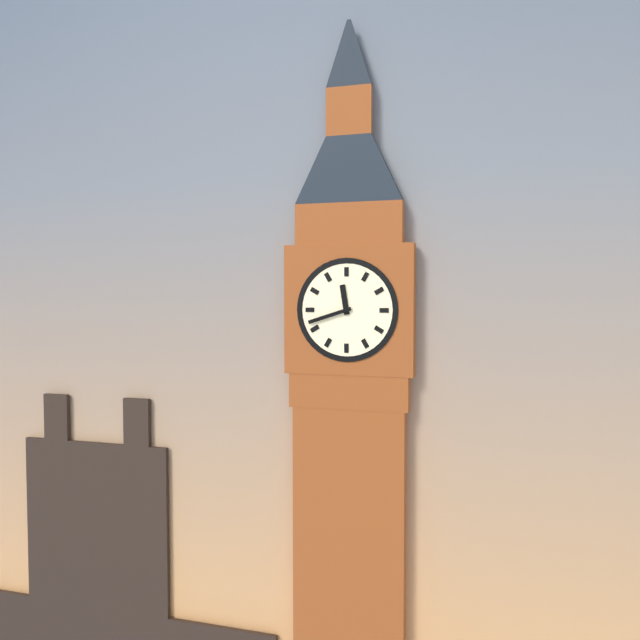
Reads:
{"hour": 11, "minute": 42}
